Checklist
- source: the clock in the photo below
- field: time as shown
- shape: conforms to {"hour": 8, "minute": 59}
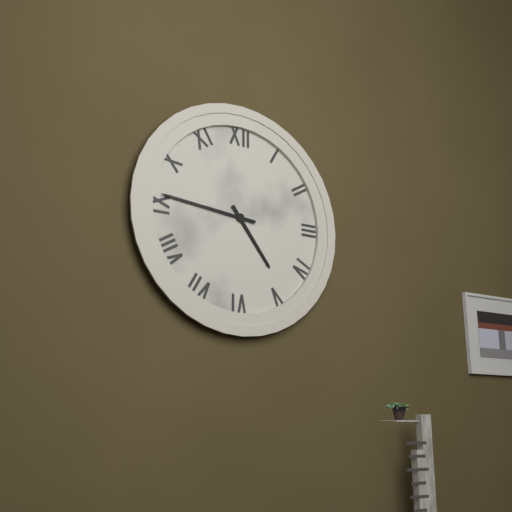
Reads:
{"hour": 4, "minute": 46}
